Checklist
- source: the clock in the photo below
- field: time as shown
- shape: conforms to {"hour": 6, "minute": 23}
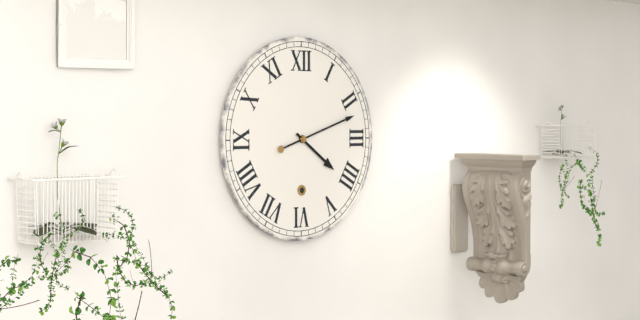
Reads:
{"hour": 4, "minute": 12}
